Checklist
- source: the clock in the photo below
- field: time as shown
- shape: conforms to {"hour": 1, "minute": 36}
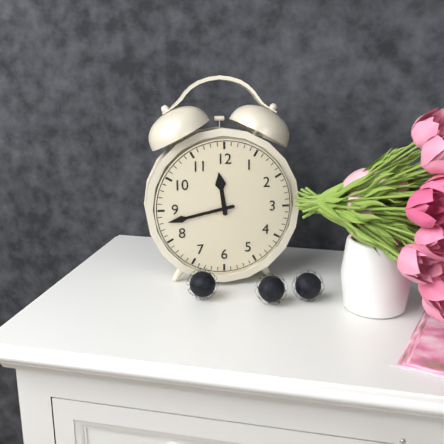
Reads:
{"hour": 11, "minute": 43}
